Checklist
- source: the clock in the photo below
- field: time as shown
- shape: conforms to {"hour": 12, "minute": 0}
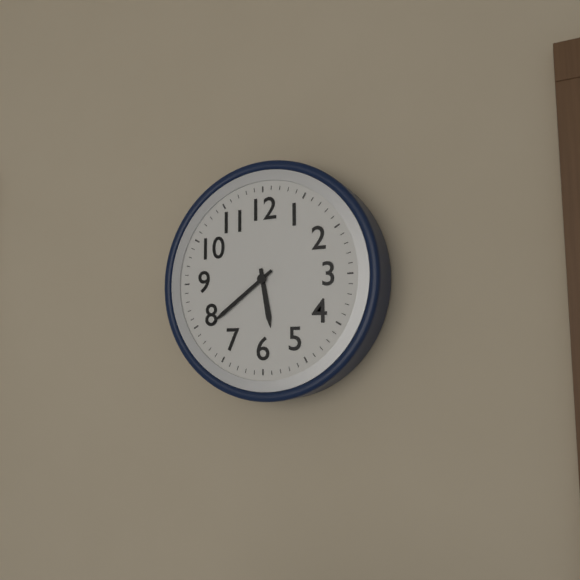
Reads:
{"hour": 5, "minute": 39}
